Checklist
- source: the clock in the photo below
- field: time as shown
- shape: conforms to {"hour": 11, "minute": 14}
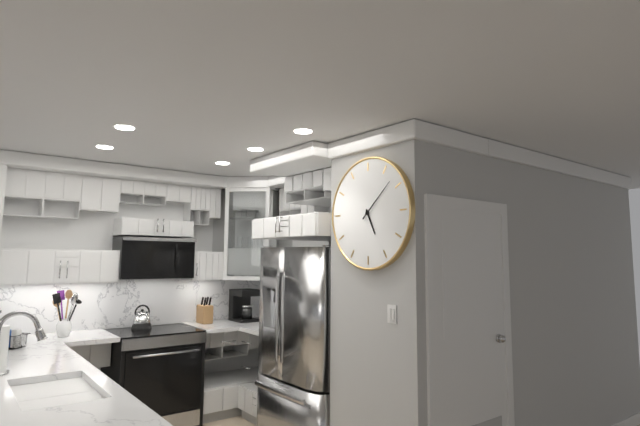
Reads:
{"hour": 5, "minute": 8}
